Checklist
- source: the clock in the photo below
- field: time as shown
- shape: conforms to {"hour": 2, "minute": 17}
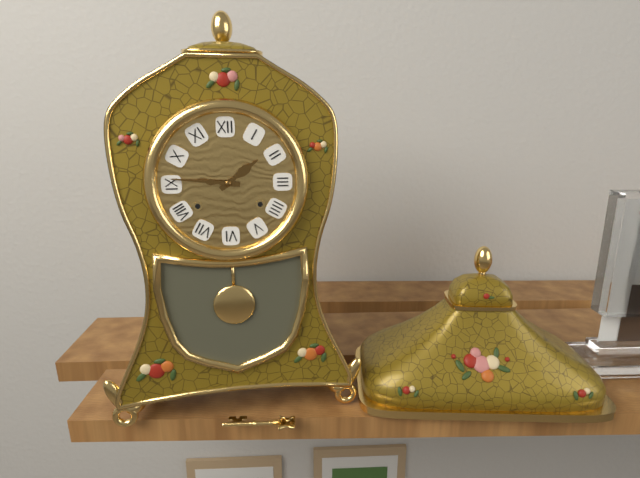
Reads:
{"hour": 1, "minute": 46}
